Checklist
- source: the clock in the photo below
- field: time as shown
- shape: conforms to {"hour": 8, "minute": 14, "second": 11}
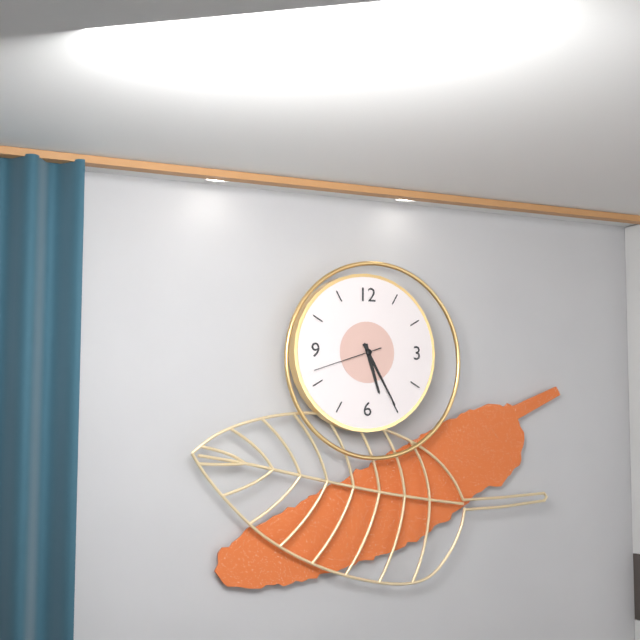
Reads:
{"hour": 5, "minute": 25, "second": 42}
